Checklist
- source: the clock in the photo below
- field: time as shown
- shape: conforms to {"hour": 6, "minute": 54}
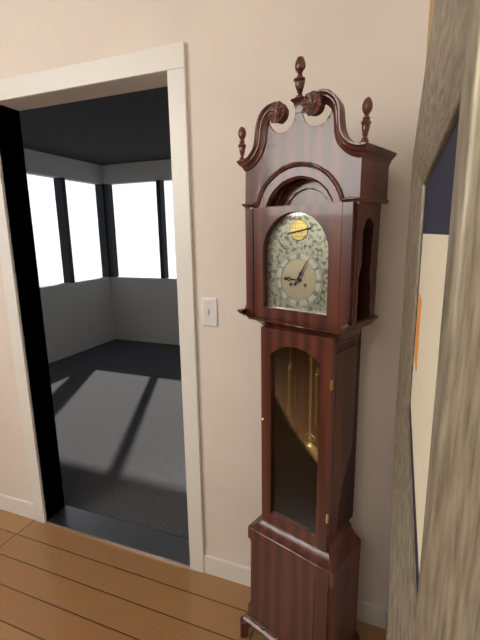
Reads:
{"hour": 9, "minute": 5}
